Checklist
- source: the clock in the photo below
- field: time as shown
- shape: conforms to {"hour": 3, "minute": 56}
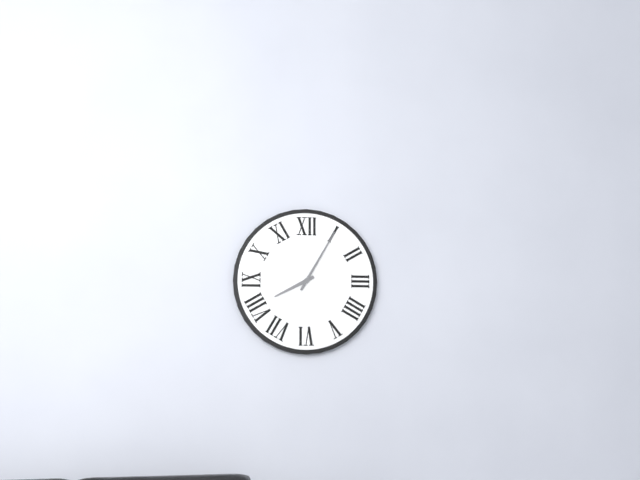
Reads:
{"hour": 8, "minute": 5}
